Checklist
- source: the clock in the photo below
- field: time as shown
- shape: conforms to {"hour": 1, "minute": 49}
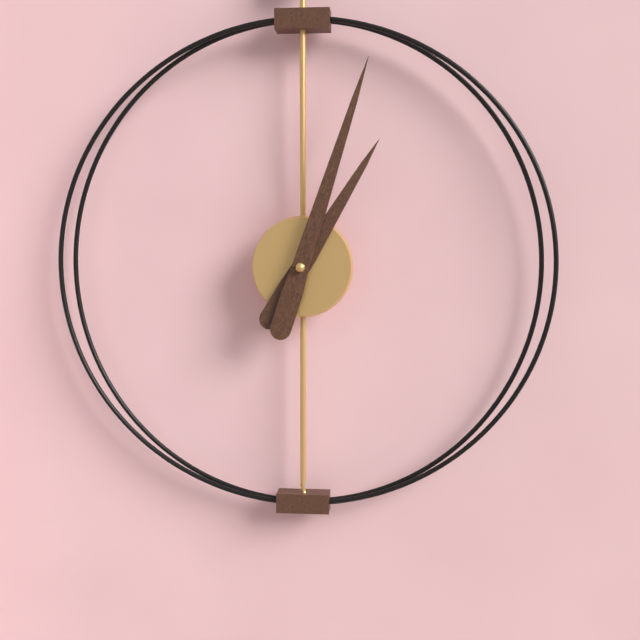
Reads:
{"hour": 1, "minute": 3}
